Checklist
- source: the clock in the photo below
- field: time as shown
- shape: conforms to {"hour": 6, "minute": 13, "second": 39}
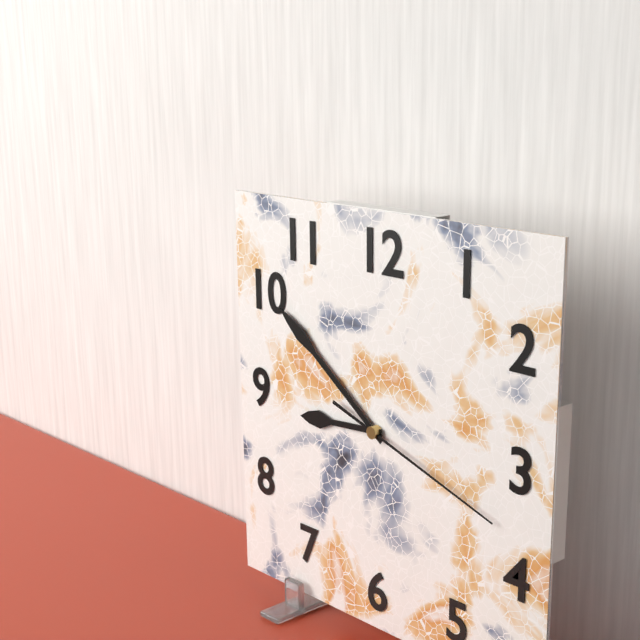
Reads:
{"hour": 8, "minute": 51, "second": 18}
